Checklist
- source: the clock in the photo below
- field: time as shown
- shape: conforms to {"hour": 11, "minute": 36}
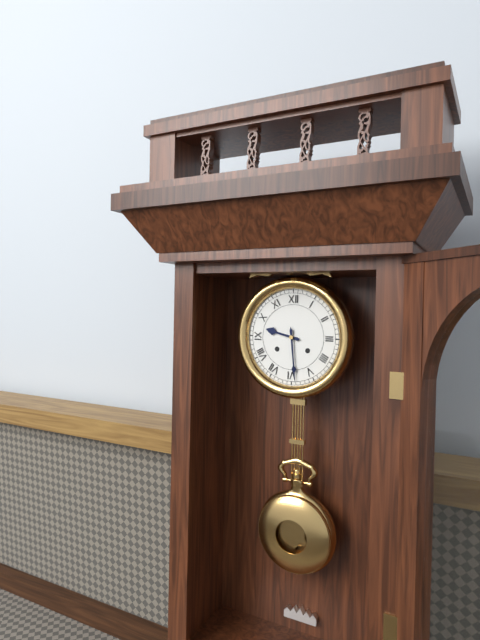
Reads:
{"hour": 9, "minute": 29}
